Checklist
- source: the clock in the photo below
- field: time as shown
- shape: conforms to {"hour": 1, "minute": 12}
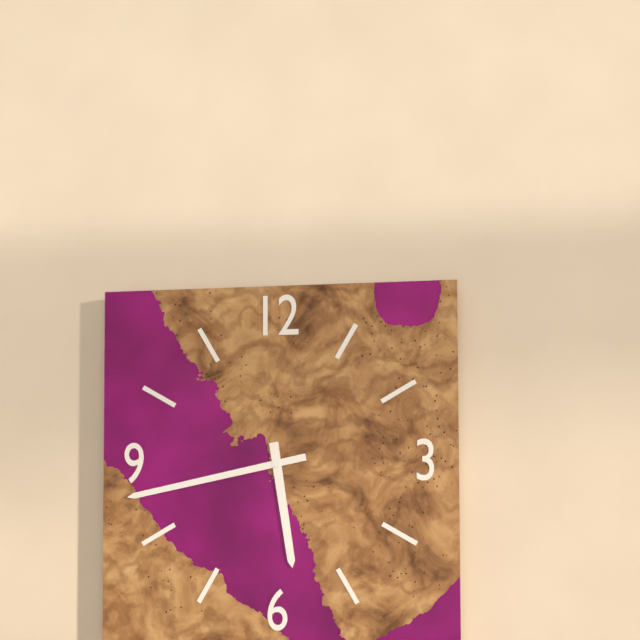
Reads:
{"hour": 5, "minute": 43}
